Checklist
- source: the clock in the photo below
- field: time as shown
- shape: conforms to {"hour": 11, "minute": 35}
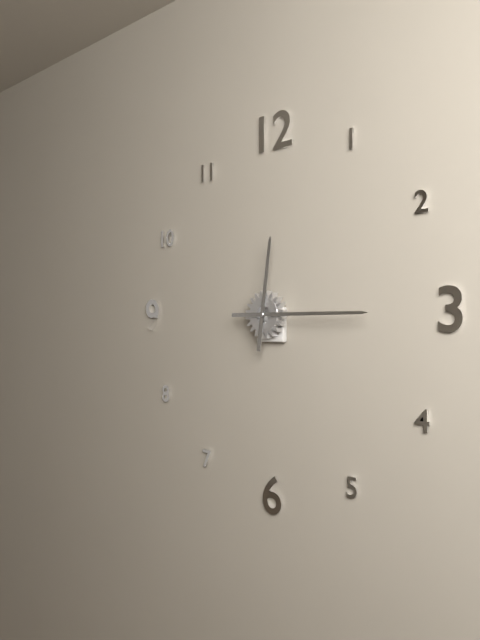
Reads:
{"hour": 12, "minute": 15}
